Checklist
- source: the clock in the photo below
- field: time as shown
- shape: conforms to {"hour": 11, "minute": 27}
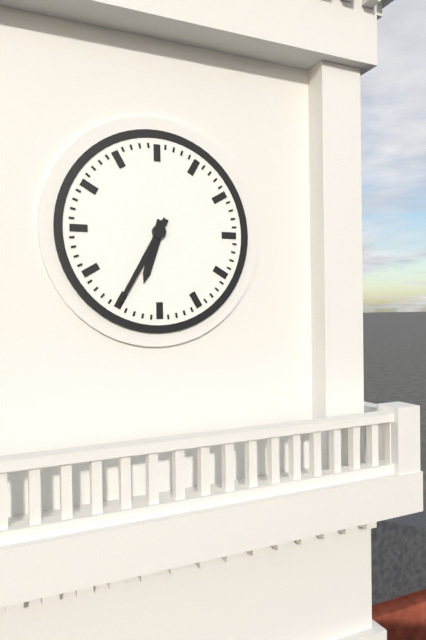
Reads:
{"hour": 6, "minute": 35}
